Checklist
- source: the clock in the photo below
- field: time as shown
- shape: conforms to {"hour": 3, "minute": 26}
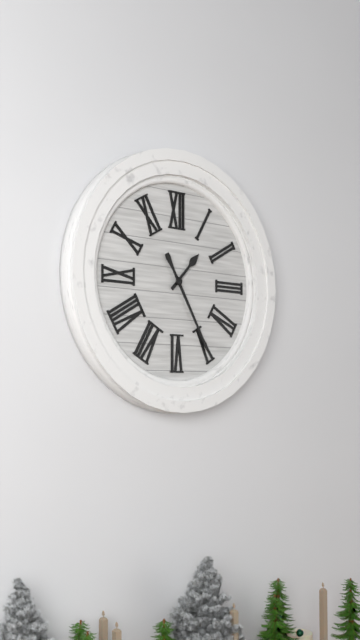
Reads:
{"hour": 1, "minute": 25}
